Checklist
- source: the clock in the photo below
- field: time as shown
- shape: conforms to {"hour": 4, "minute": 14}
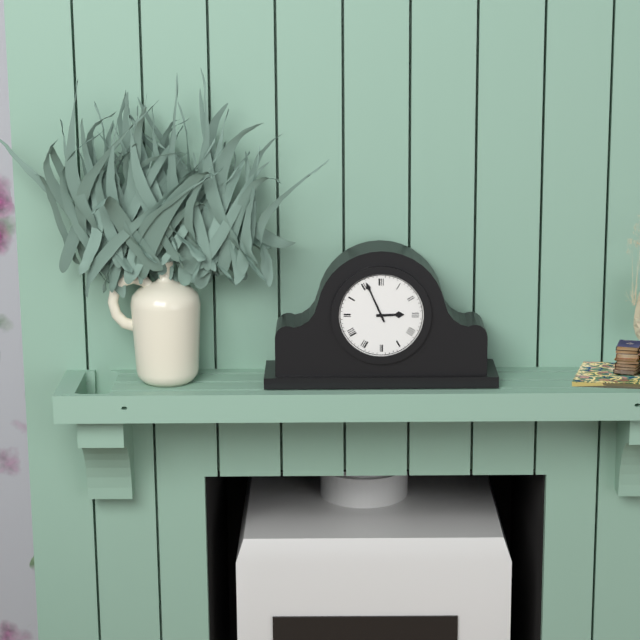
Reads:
{"hour": 2, "minute": 56}
